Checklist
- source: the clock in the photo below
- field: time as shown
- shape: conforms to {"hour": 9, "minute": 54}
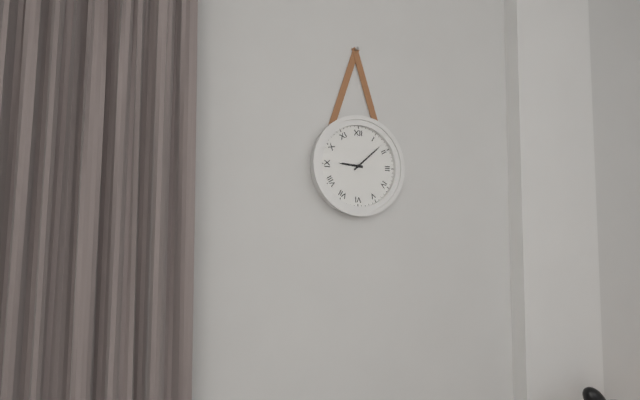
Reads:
{"hour": 9, "minute": 8}
